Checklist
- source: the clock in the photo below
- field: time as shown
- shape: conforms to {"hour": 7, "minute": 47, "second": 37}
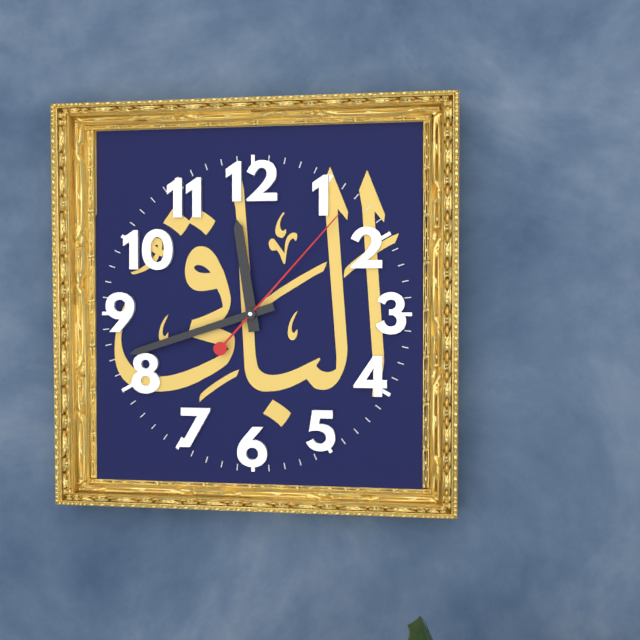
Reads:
{"hour": 11, "minute": 42, "second": 7}
